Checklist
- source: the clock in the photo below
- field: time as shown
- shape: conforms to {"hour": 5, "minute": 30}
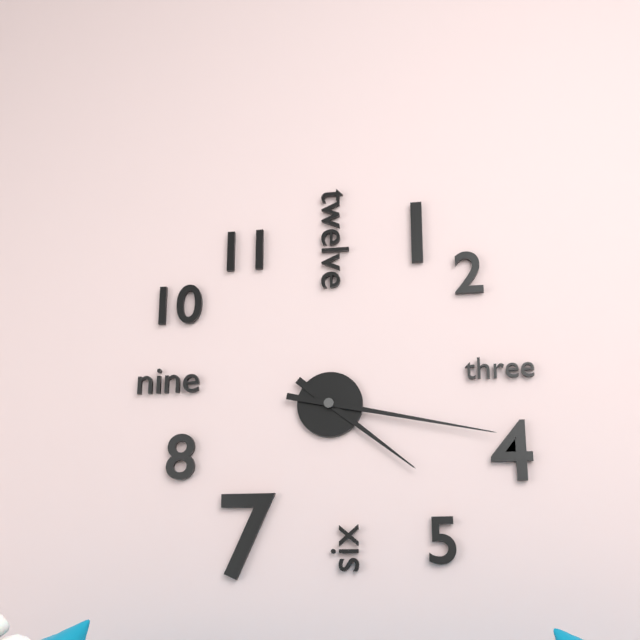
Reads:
{"hour": 4, "minute": 17}
